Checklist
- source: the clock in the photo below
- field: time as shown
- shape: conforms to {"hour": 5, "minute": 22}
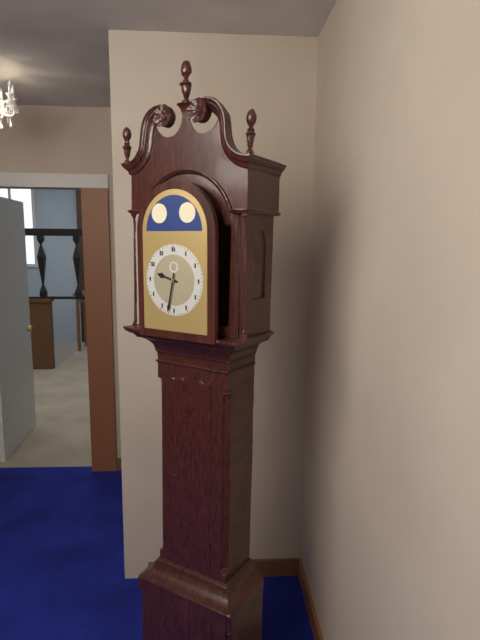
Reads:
{"hour": 9, "minute": 32}
